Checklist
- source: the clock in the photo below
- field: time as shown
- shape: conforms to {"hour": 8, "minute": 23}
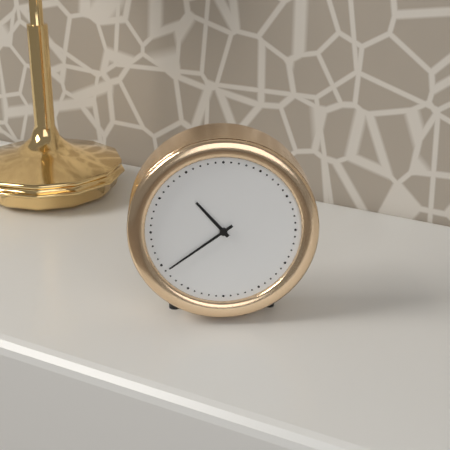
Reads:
{"hour": 10, "minute": 39}
